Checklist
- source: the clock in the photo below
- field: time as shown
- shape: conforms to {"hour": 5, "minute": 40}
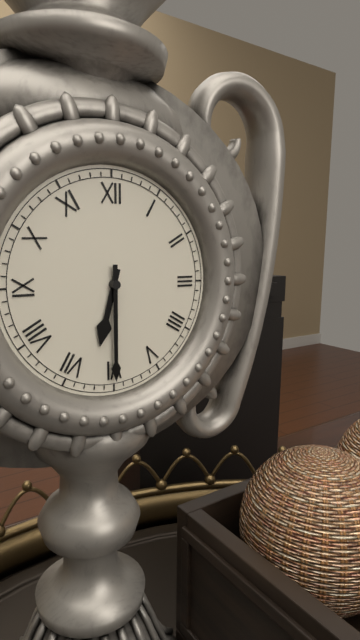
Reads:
{"hour": 6, "minute": 30}
